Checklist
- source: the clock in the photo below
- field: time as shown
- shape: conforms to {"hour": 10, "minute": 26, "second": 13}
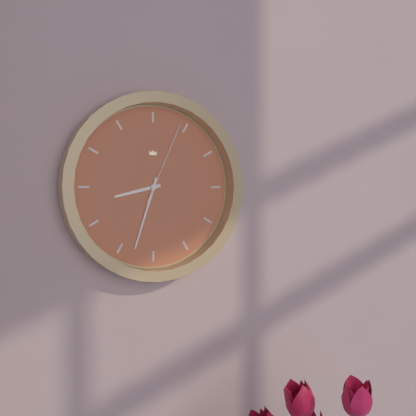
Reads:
{"hour": 8, "minute": 33, "second": 4}
